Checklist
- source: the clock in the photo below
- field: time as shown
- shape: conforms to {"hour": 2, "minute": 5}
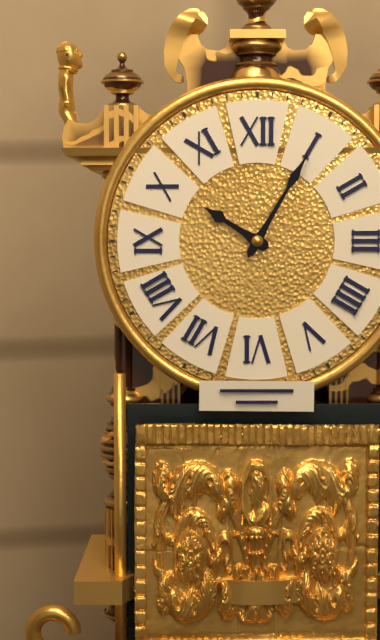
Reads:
{"hour": 10, "minute": 5}
